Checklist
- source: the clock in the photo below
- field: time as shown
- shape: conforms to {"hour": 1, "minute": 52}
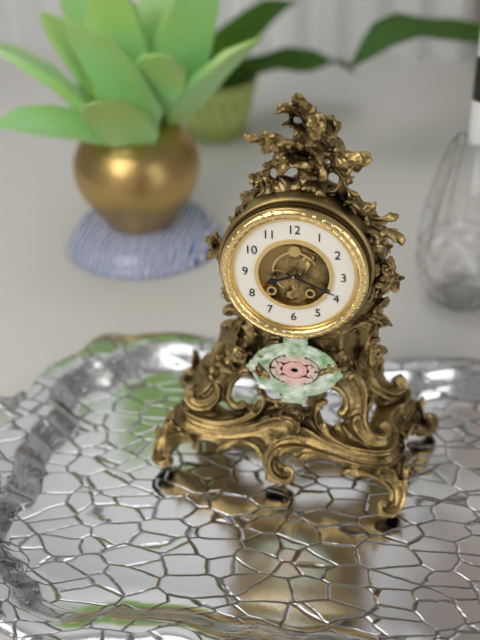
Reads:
{"hour": 8, "minute": 19}
